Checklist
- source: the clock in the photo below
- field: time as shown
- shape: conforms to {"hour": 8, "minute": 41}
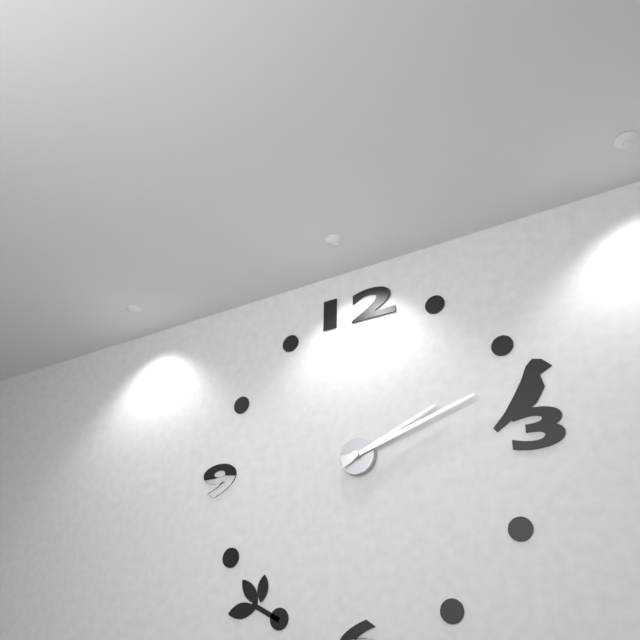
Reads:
{"hour": 2, "minute": 12}
